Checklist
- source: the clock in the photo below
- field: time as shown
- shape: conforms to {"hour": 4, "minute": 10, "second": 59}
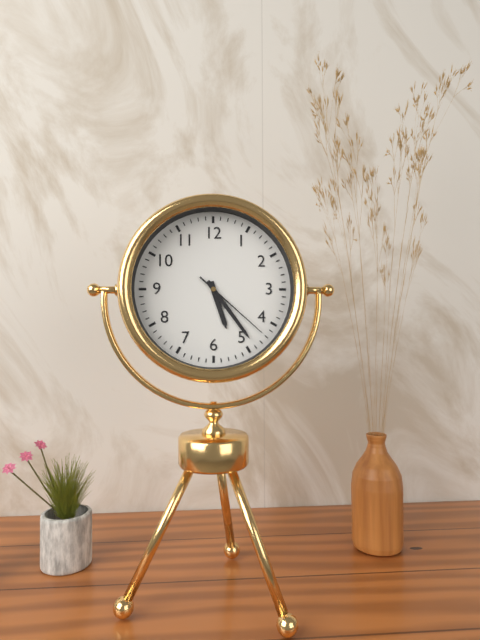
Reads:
{"hour": 5, "minute": 24, "second": 22}
